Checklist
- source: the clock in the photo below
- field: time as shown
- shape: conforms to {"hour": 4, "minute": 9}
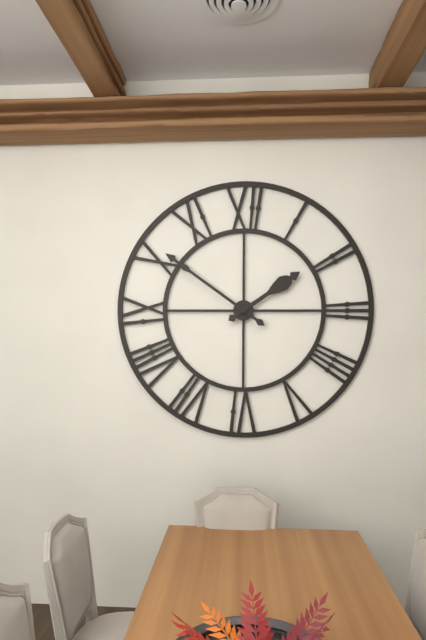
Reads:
{"hour": 1, "minute": 51}
